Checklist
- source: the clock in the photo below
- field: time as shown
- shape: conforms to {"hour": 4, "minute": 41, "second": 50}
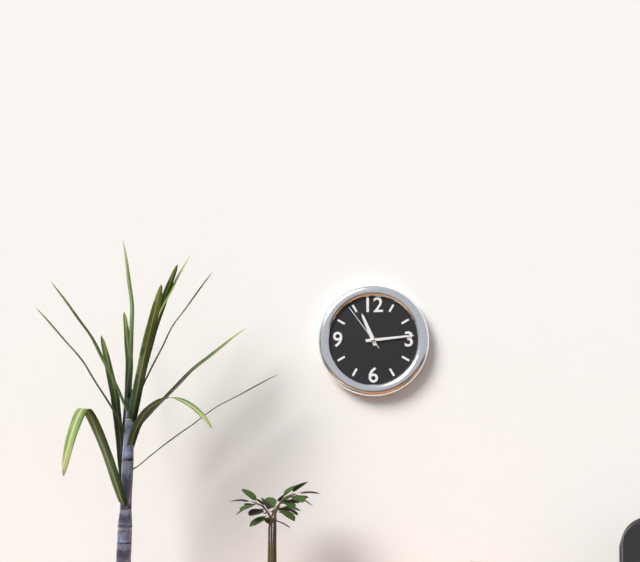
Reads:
{"hour": 11, "minute": 14, "second": 54}
